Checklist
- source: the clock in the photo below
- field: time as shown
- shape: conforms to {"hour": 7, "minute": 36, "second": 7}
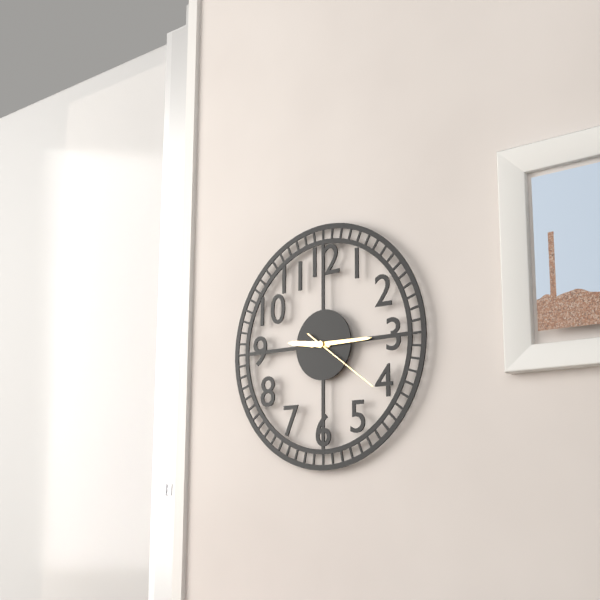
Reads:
{"hour": 9, "minute": 15, "second": 21}
